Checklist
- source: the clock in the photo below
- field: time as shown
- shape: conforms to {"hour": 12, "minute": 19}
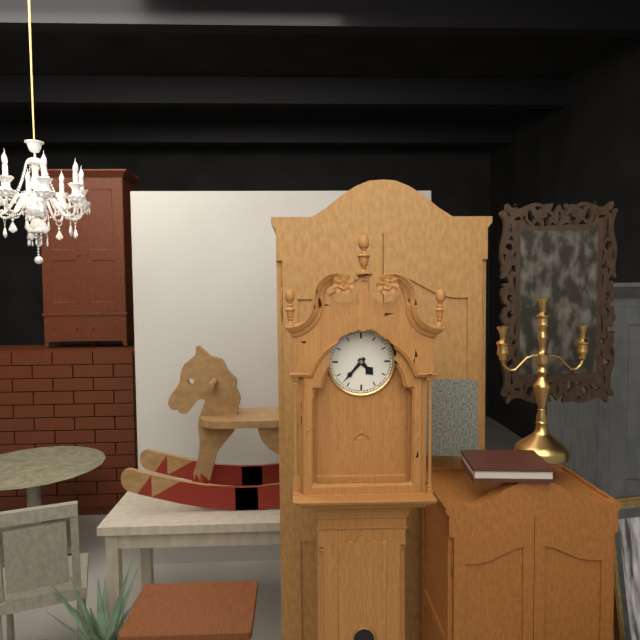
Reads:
{"hour": 4, "minute": 37}
